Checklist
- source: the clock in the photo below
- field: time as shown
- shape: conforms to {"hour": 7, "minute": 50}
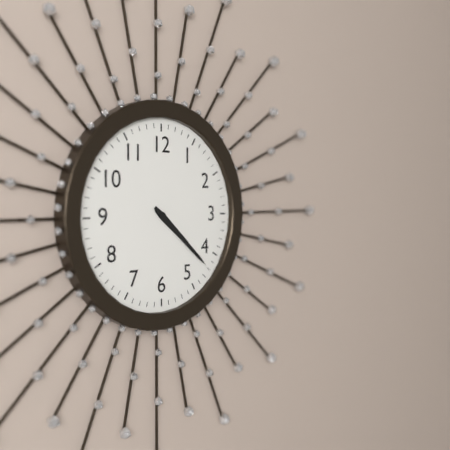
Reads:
{"hour": 4, "minute": 22}
